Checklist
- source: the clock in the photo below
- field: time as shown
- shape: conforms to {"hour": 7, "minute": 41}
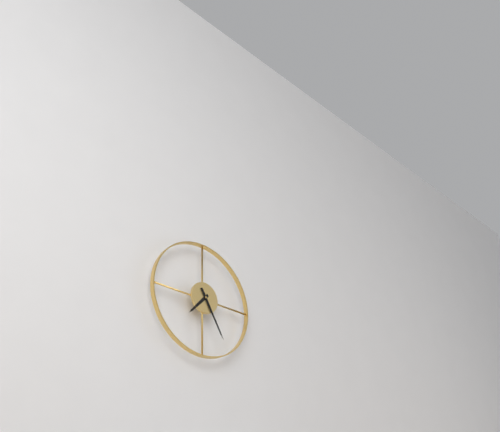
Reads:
{"hour": 7, "minute": 25}
